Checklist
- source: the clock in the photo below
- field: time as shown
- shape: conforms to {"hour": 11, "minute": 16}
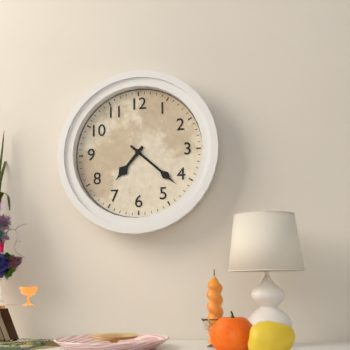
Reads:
{"hour": 7, "minute": 22}
